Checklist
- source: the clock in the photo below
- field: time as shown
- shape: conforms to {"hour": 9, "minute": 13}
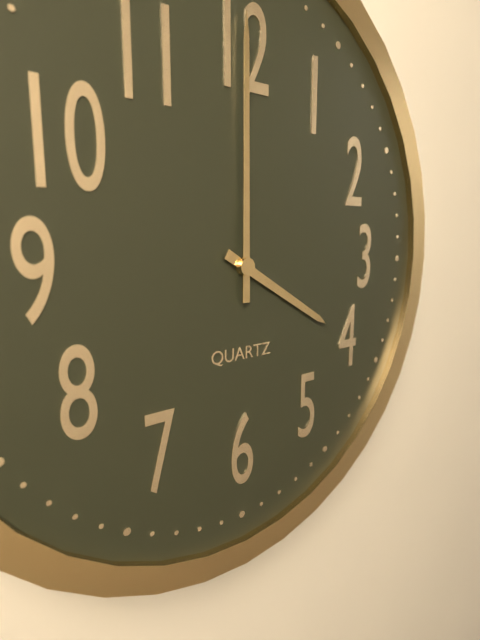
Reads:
{"hour": 4, "minute": 0}
